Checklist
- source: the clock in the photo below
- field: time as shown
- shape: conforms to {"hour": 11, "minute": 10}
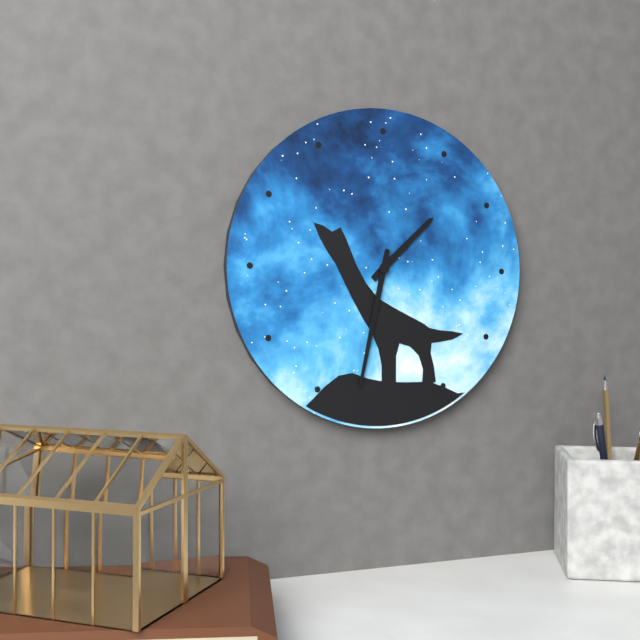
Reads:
{"hour": 1, "minute": 32}
